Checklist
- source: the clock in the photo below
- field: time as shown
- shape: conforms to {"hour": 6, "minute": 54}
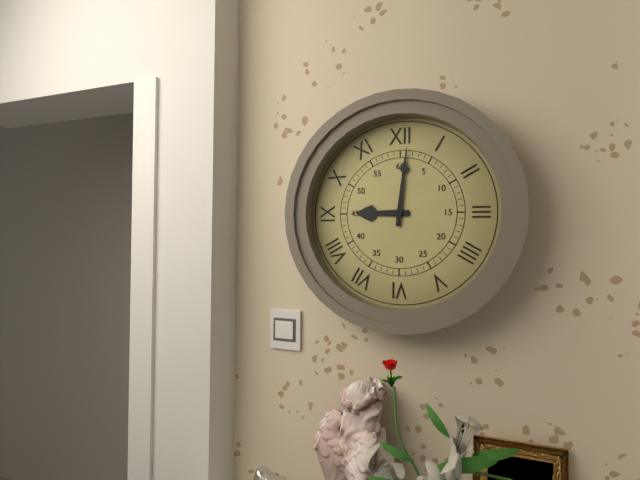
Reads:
{"hour": 9, "minute": 1}
